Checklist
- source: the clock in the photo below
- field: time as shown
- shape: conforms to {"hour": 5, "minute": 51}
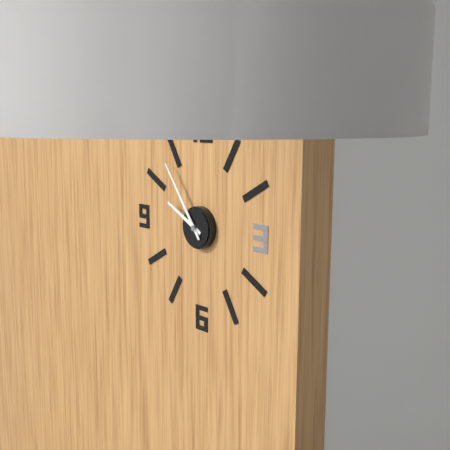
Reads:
{"hour": 9, "minute": 54}
